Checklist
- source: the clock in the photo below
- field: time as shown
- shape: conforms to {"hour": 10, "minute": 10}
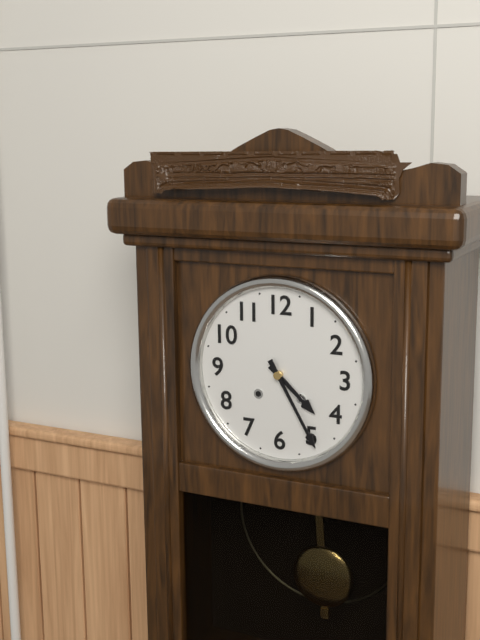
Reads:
{"hour": 4, "minute": 25}
